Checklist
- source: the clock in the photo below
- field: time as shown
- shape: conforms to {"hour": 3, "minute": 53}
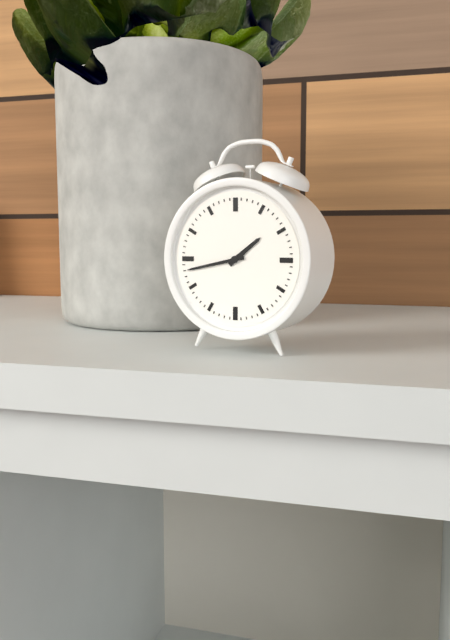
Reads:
{"hour": 1, "minute": 43}
